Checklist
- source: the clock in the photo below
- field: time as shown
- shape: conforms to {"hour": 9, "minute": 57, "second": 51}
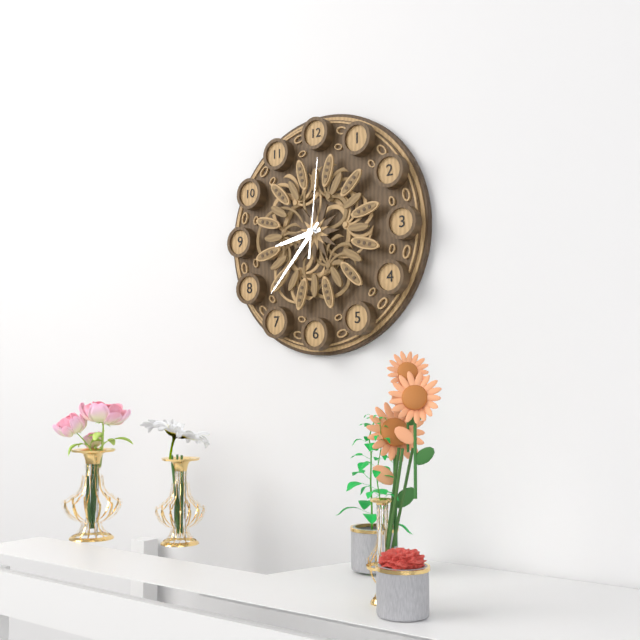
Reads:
{"hour": 8, "minute": 37, "second": 1}
